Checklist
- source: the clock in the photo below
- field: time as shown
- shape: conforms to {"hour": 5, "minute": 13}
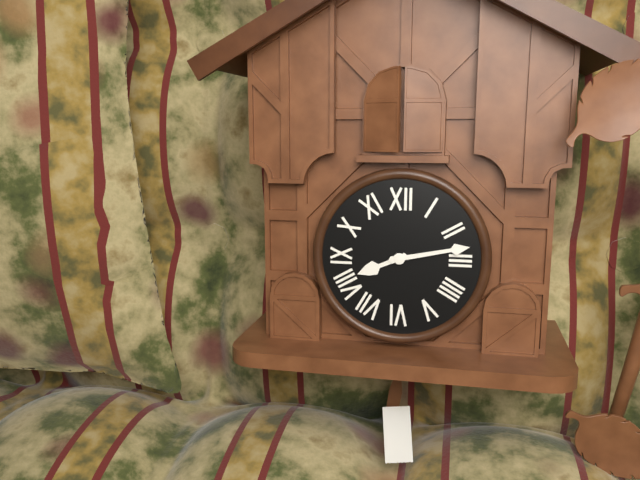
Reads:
{"hour": 8, "minute": 13}
